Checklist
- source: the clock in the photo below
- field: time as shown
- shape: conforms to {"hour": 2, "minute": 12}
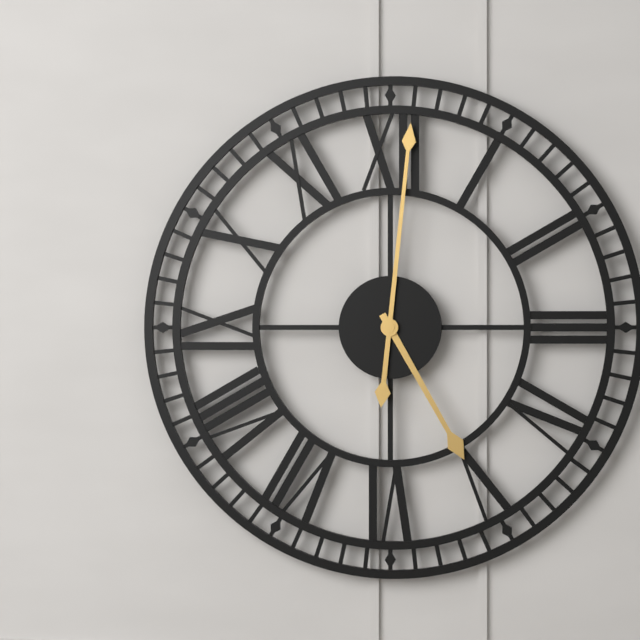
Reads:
{"hour": 5, "minute": 1}
